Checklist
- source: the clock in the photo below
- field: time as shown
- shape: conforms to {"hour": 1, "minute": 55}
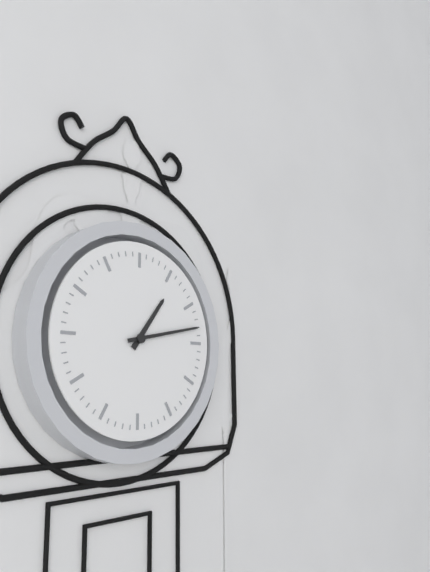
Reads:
{"hour": 1, "minute": 13}
